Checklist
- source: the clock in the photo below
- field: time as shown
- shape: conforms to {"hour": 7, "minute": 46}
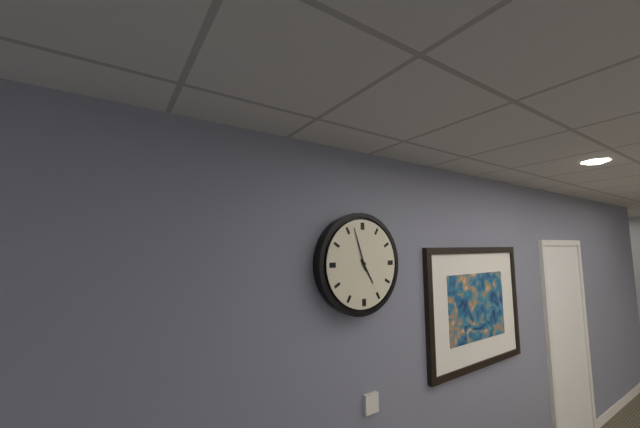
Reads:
{"hour": 4, "minute": 57}
